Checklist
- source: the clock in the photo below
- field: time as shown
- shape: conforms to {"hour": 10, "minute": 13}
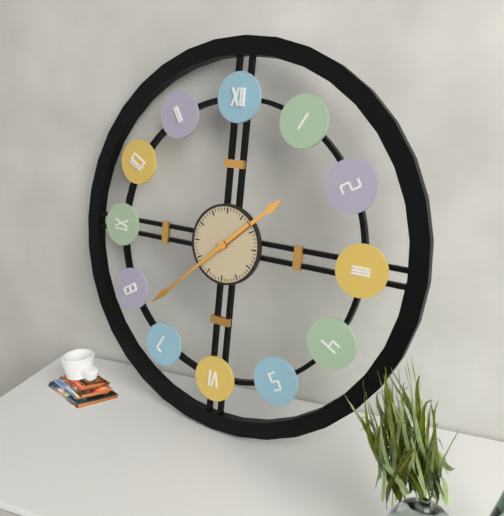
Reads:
{"hour": 1, "minute": 38}
